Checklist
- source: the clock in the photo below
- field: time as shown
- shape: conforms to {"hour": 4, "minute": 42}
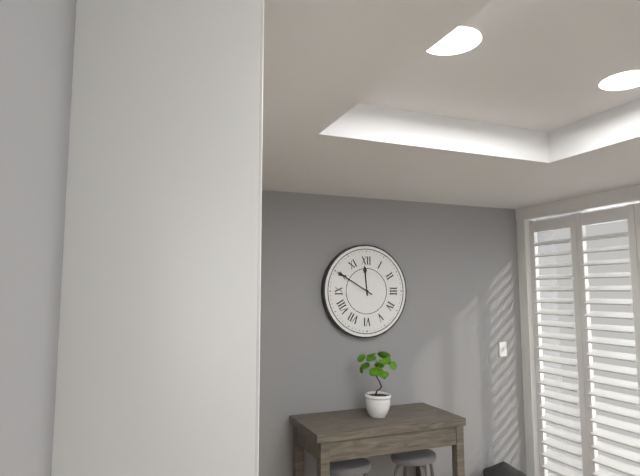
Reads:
{"hour": 11, "minute": 50}
